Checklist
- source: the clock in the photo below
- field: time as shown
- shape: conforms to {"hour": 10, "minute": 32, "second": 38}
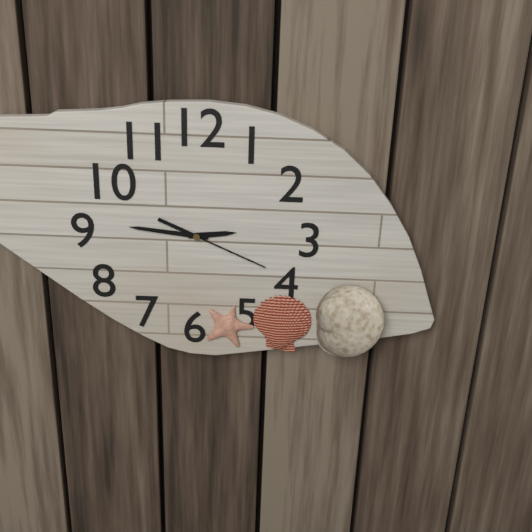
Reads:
{"hour": 2, "minute": 46, "second": 19}
